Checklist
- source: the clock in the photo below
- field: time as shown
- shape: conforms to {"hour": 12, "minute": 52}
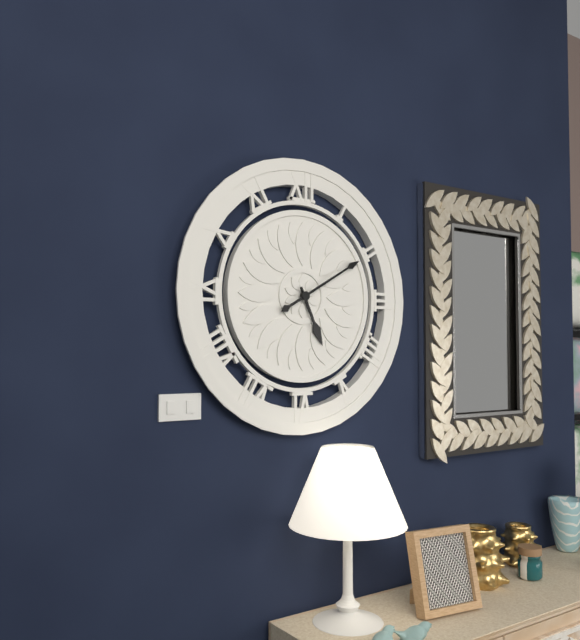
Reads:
{"hour": 5, "minute": 10}
